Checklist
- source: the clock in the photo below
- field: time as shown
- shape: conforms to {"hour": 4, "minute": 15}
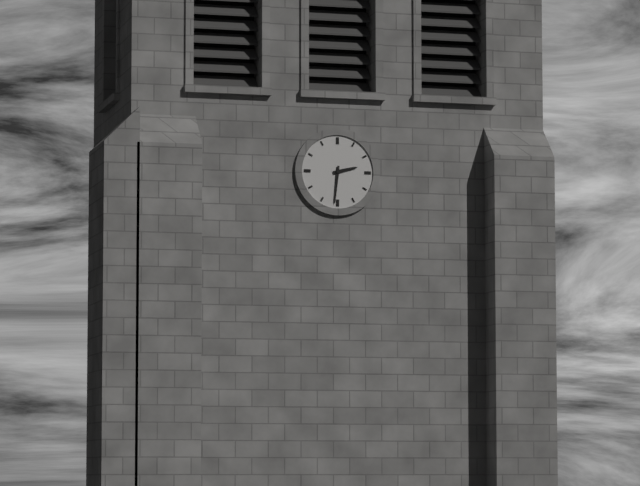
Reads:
{"hour": 2, "minute": 31}
